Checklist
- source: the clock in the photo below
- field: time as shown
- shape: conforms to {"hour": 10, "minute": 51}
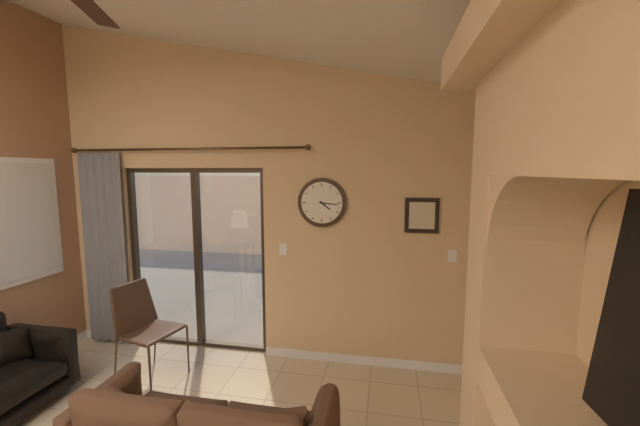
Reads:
{"hour": 4, "minute": 16}
